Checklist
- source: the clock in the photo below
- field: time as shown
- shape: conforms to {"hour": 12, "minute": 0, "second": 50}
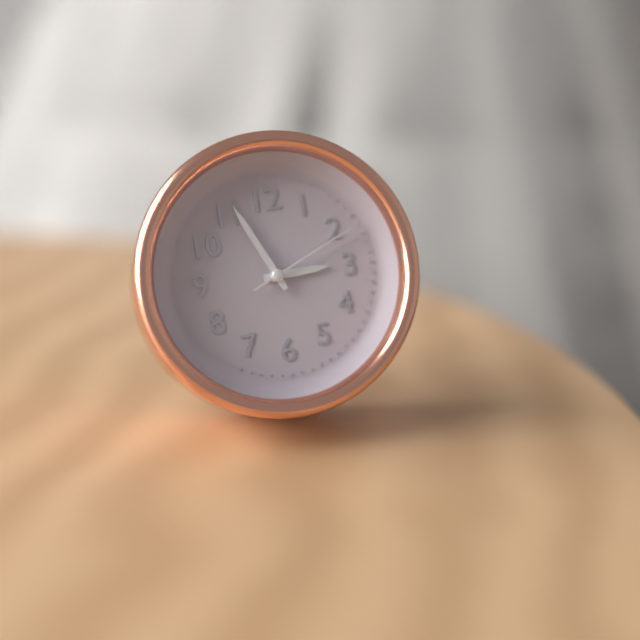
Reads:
{"hour": 2, "minute": 56, "second": 11}
